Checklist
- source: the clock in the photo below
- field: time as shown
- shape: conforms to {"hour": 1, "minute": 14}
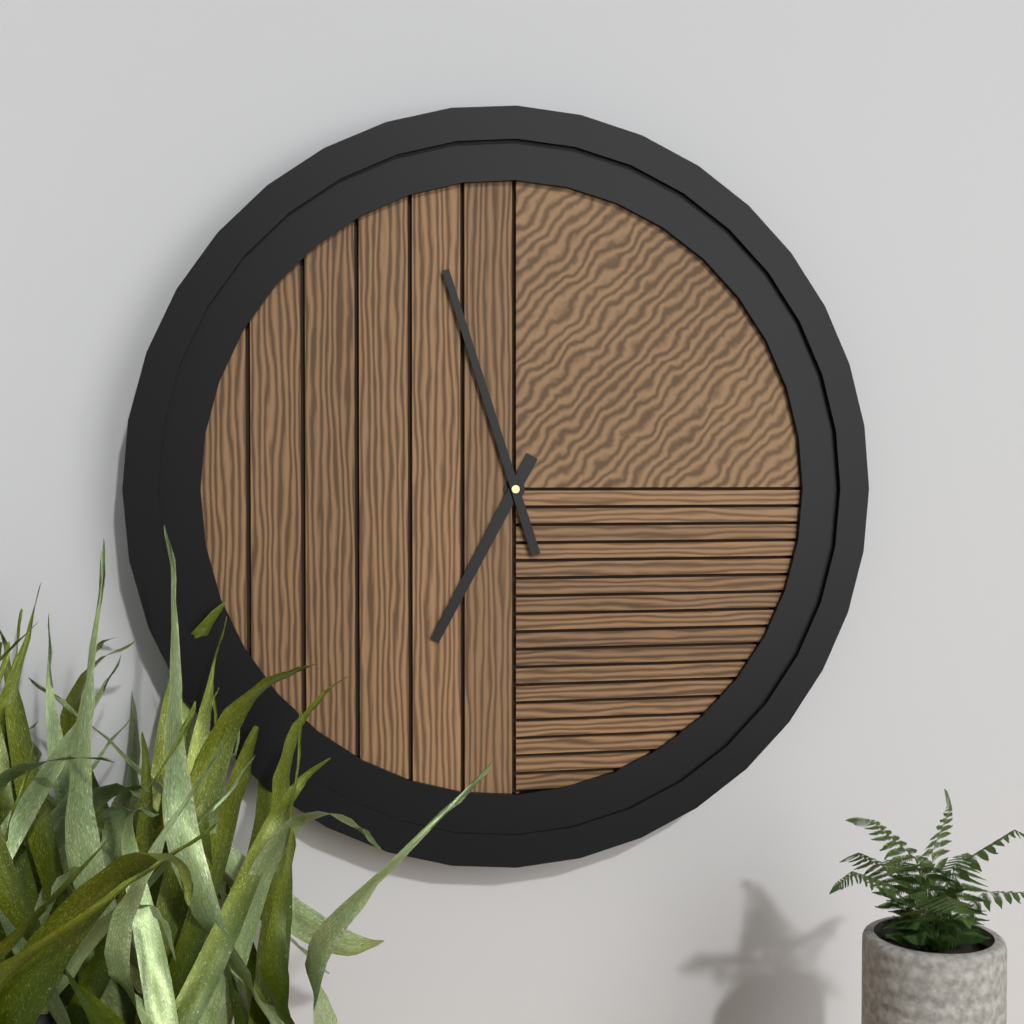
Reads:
{"hour": 6, "minute": 57}
